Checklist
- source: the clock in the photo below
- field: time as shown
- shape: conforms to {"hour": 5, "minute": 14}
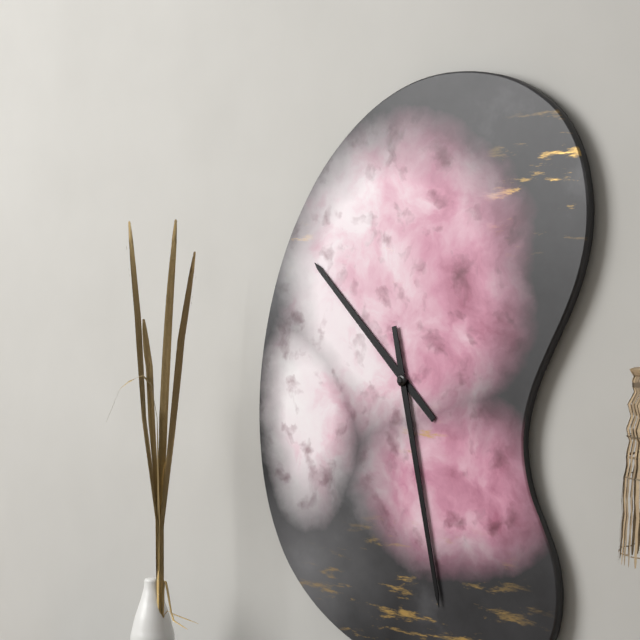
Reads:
{"hour": 10, "minute": 28}
